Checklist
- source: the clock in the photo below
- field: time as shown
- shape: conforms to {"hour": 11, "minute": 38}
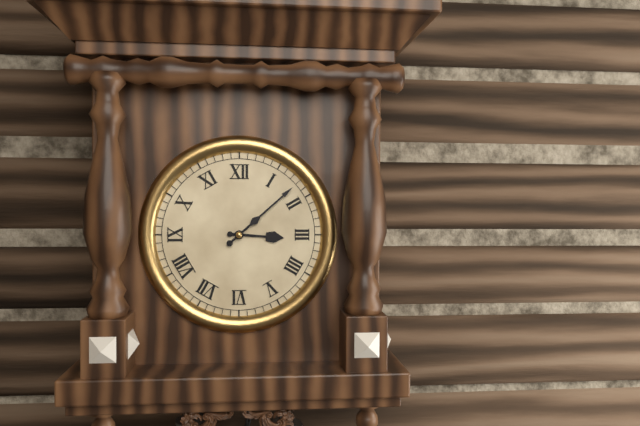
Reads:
{"hour": 3, "minute": 8}
